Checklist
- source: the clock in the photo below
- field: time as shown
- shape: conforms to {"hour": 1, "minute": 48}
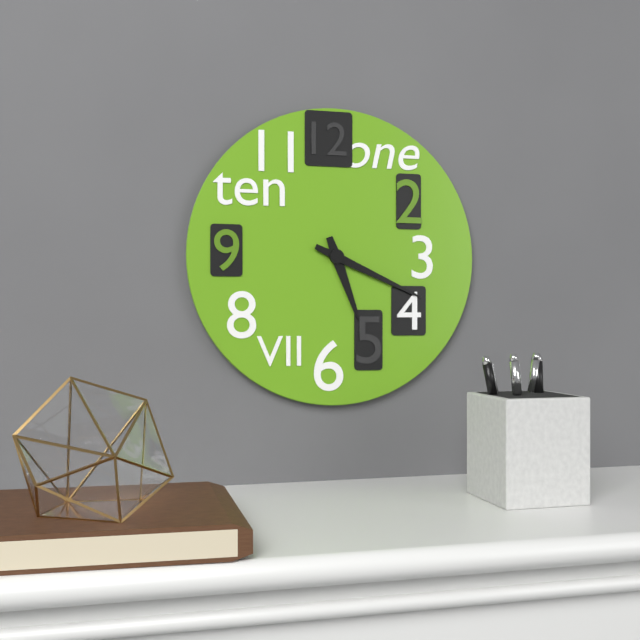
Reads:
{"hour": 5, "minute": 19}
